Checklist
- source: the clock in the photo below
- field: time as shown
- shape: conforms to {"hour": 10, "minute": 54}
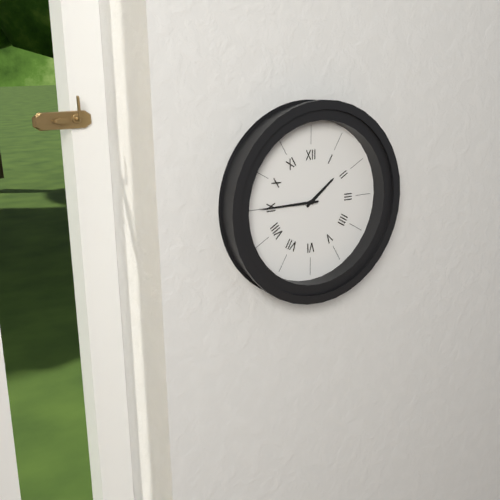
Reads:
{"hour": 1, "minute": 45}
